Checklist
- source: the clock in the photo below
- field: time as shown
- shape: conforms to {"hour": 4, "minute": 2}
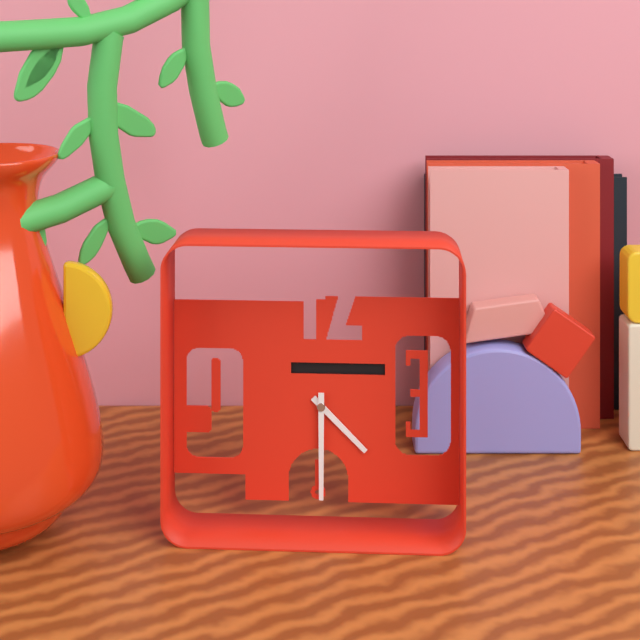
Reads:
{"hour": 4, "minute": 30}
